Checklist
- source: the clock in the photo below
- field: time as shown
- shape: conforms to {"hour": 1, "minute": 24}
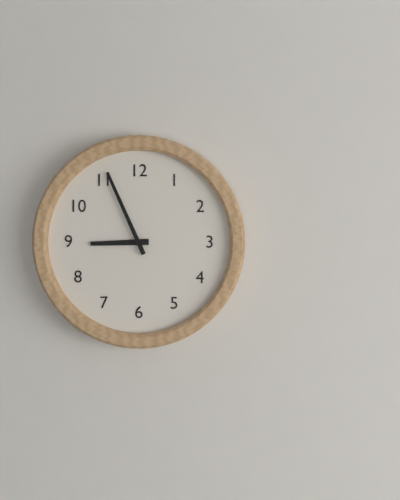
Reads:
{"hour": 8, "minute": 56}
